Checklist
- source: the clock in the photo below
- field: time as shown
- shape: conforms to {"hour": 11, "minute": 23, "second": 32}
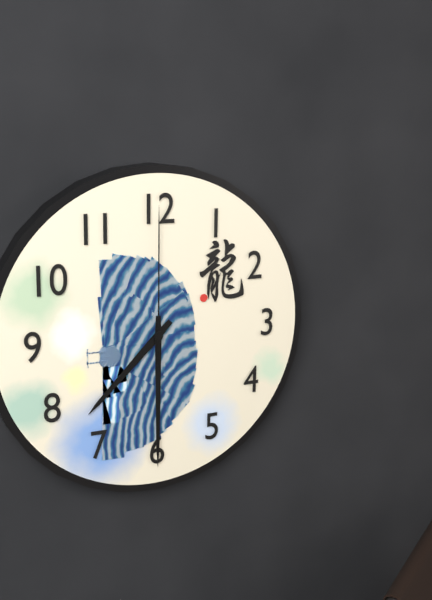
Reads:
{"hour": 7, "minute": 30, "second": 0}
